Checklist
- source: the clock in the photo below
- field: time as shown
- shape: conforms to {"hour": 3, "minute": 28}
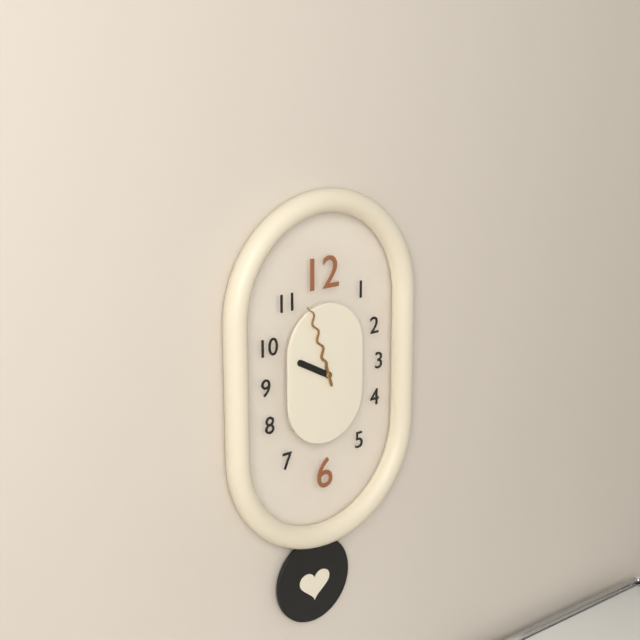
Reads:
{"hour": 9, "minute": 57}
